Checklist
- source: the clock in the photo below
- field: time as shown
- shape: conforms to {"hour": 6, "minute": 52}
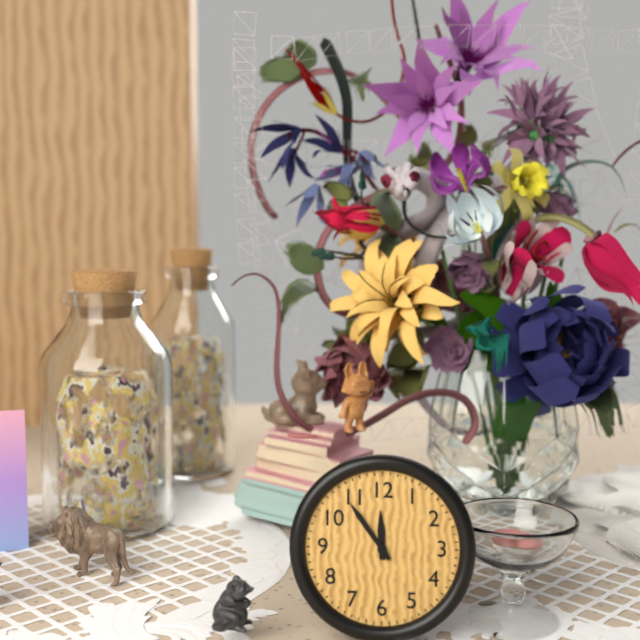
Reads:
{"hour": 11, "minute": 54}
